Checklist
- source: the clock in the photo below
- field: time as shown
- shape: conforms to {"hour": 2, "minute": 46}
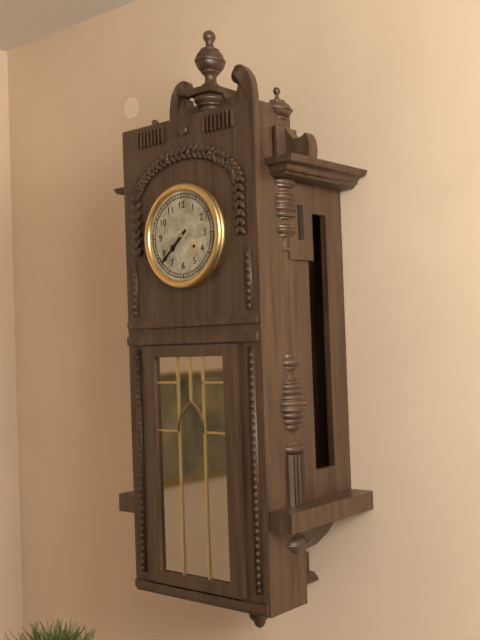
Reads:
{"hour": 7, "minute": 38}
